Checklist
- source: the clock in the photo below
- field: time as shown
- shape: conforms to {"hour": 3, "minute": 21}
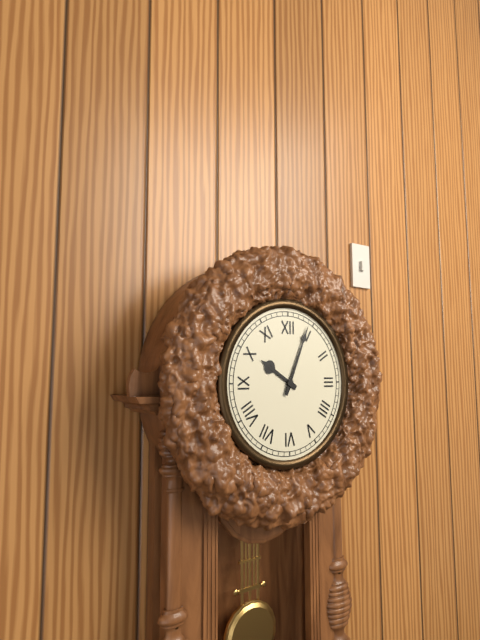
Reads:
{"hour": 10, "minute": 4}
